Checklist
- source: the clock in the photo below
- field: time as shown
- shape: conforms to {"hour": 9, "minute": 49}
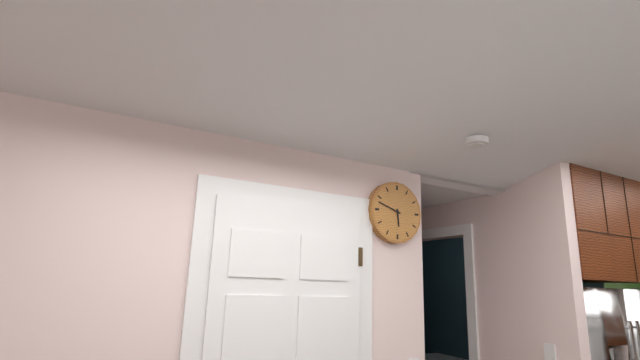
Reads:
{"hour": 5, "minute": 48}
